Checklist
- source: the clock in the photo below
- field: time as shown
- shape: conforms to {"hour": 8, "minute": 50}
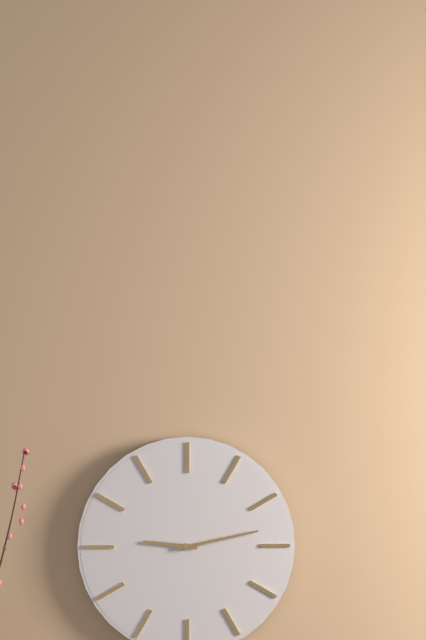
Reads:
{"hour": 9, "minute": 13}
